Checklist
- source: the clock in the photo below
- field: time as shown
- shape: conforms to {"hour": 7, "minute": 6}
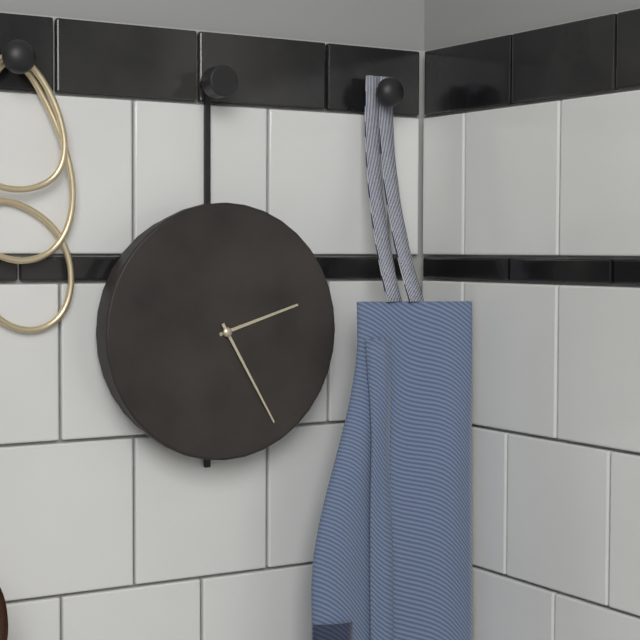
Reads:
{"hour": 2, "minute": 25}
